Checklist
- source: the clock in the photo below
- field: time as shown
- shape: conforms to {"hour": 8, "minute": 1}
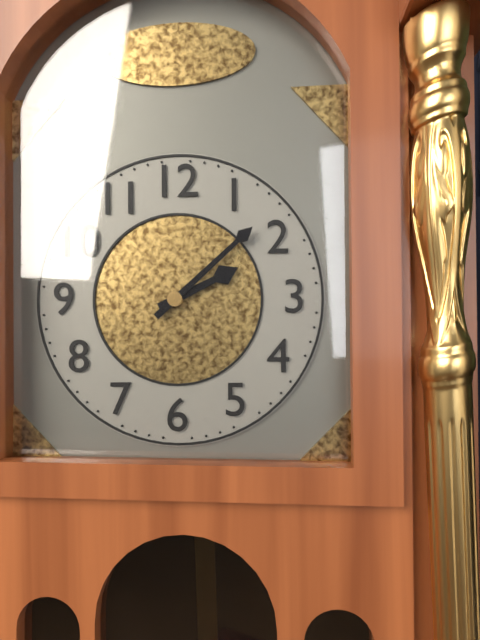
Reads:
{"hour": 2, "minute": 8}
